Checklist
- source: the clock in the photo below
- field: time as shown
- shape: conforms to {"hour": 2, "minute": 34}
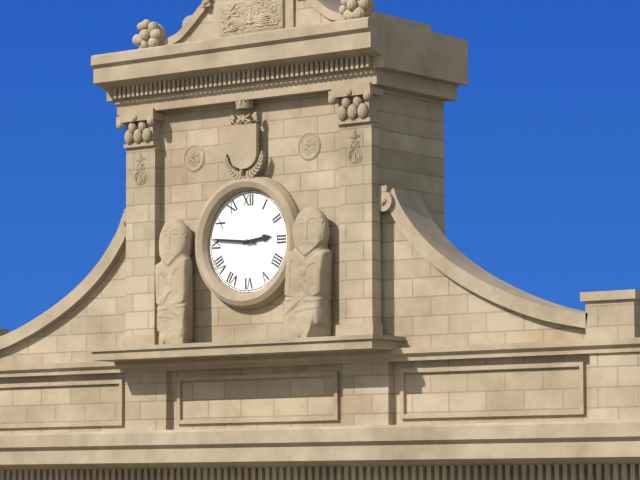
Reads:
{"hour": 2, "minute": 46}
